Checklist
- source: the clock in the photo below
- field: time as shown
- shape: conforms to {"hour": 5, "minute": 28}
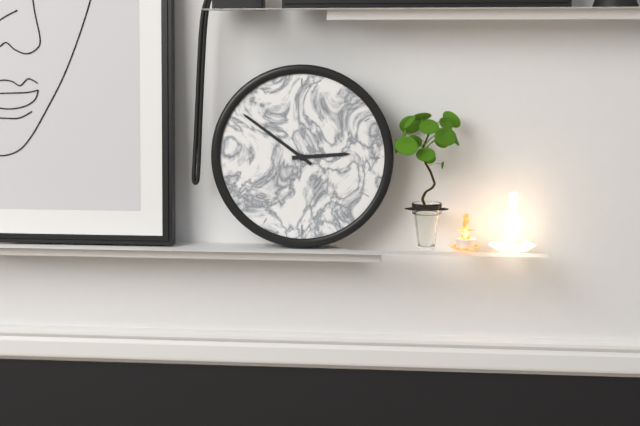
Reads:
{"hour": 2, "minute": 51}
